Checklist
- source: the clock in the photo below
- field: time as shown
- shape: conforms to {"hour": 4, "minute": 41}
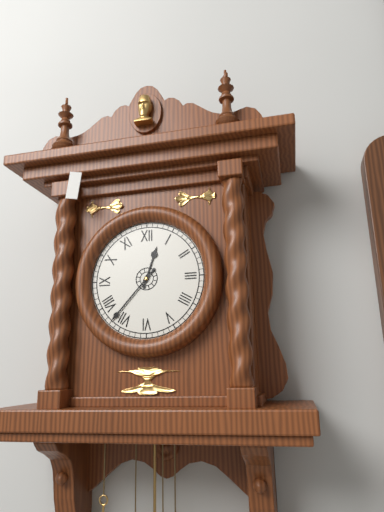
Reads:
{"hour": 12, "minute": 37}
